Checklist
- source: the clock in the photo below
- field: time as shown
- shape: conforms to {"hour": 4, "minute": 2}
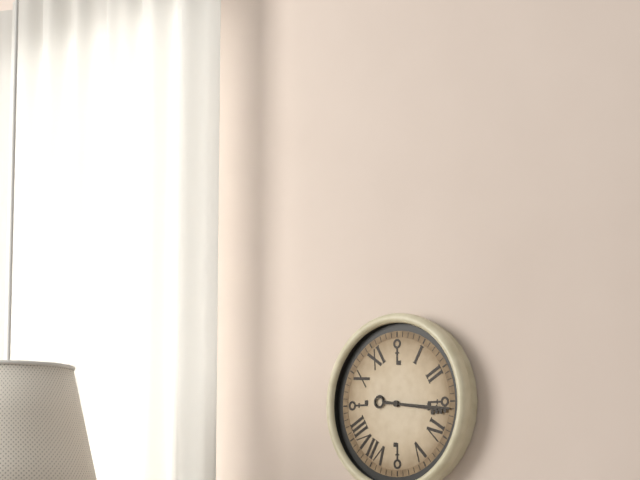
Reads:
{"hour": 3, "minute": 16}
